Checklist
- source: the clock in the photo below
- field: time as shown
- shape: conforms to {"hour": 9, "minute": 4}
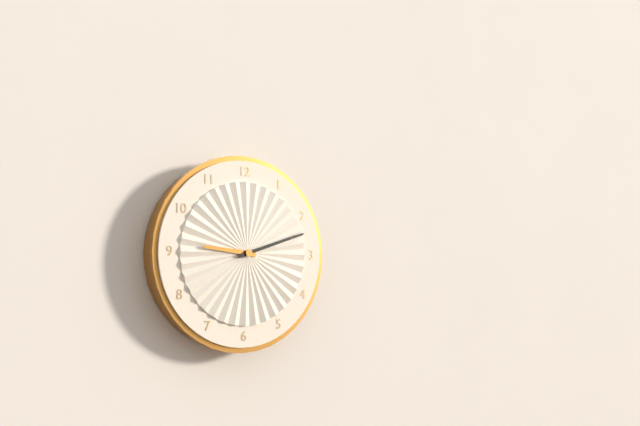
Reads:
{"hour": 9, "minute": 12}
